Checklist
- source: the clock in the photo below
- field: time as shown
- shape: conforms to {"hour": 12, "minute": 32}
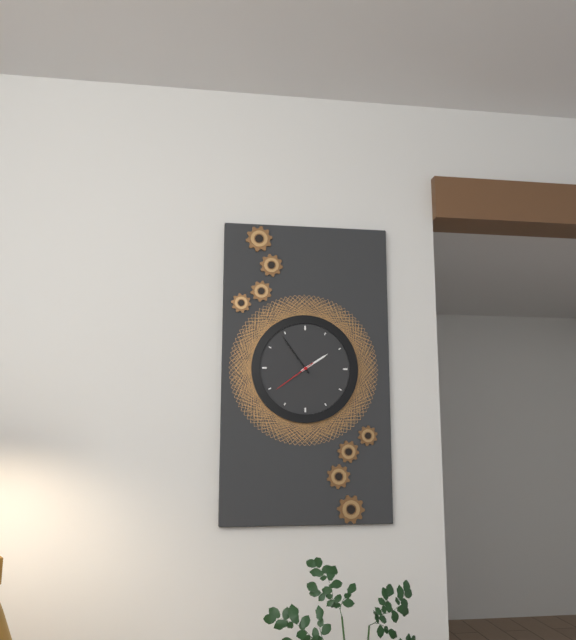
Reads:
{"hour": 1, "minute": 54}
